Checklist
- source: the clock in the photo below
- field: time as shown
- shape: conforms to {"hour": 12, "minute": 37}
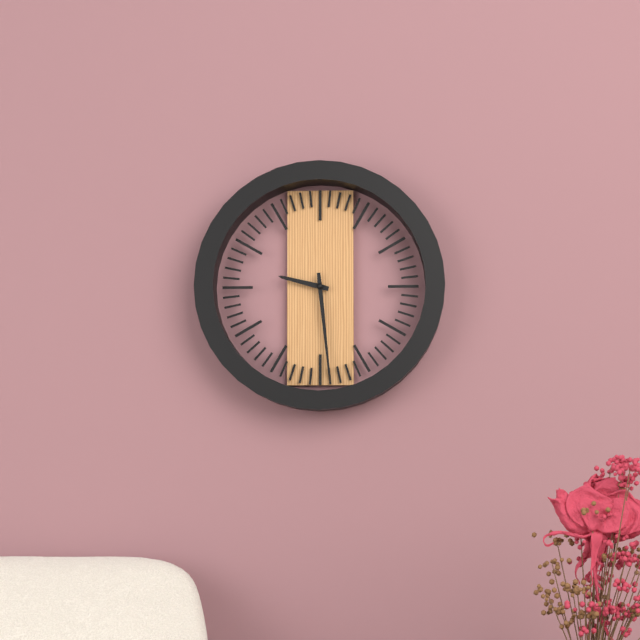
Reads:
{"hour": 9, "minute": 29}
